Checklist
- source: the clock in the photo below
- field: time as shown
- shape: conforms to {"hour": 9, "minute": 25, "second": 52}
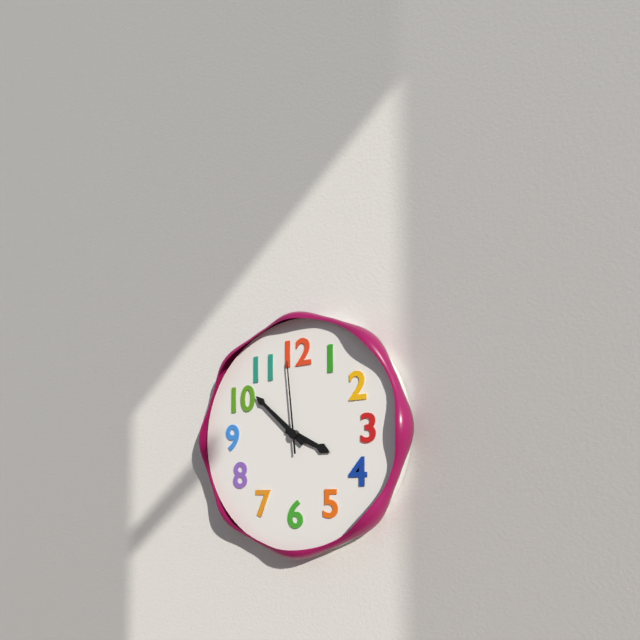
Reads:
{"hour": 3, "minute": 52, "second": 59}
